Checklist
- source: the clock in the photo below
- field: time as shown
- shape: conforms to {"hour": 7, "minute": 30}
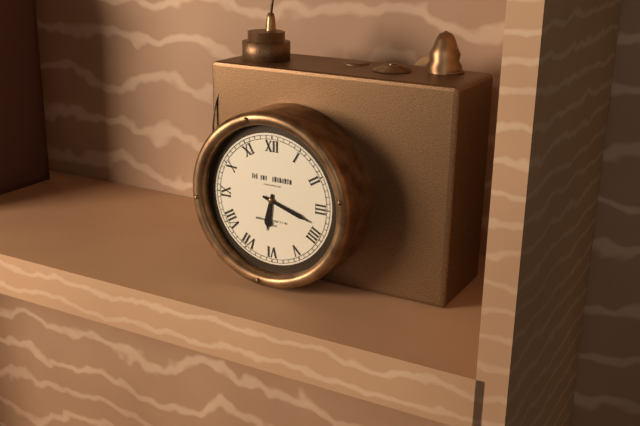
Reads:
{"hour": 6, "minute": 18}
